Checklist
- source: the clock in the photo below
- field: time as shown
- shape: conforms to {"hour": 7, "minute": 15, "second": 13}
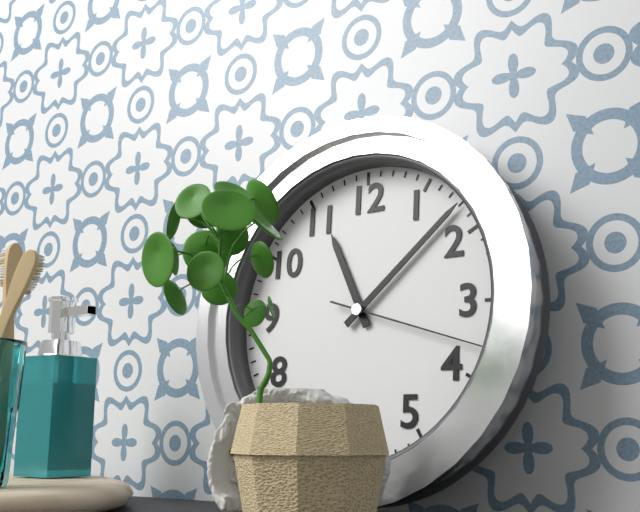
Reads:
{"hour": 11, "minute": 8, "second": 18}
